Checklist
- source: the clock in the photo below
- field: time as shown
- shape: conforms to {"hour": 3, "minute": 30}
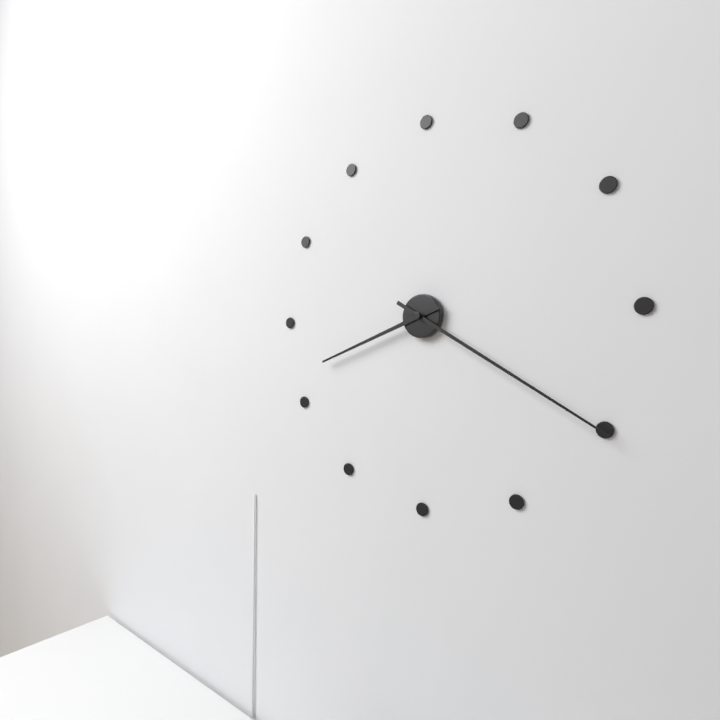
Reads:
{"hour": 8, "minute": 20}
